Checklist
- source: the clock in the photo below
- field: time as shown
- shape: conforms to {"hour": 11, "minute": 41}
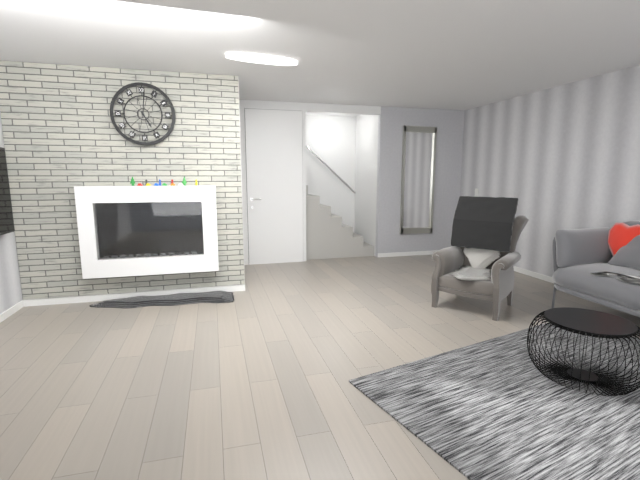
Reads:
{"hour": 5, "minute": 1}
